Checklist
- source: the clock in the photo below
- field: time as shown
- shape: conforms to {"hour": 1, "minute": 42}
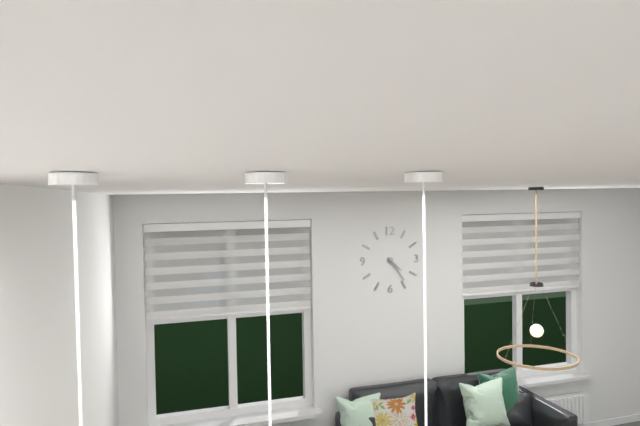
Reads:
{"hour": 4, "minute": 24}
